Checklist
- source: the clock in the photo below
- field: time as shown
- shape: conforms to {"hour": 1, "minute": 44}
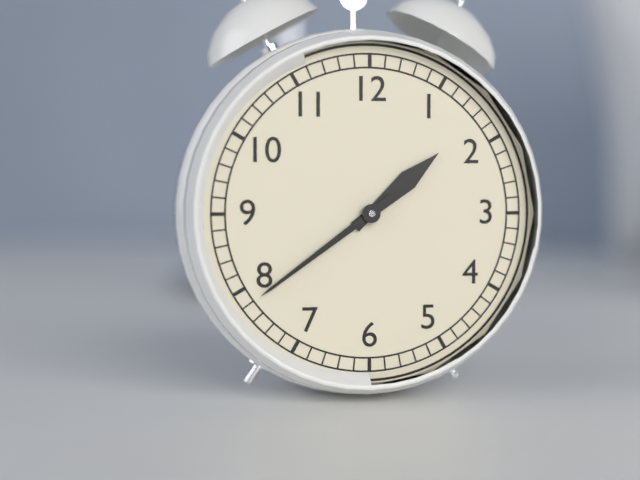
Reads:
{"hour": 1, "minute": 39}
